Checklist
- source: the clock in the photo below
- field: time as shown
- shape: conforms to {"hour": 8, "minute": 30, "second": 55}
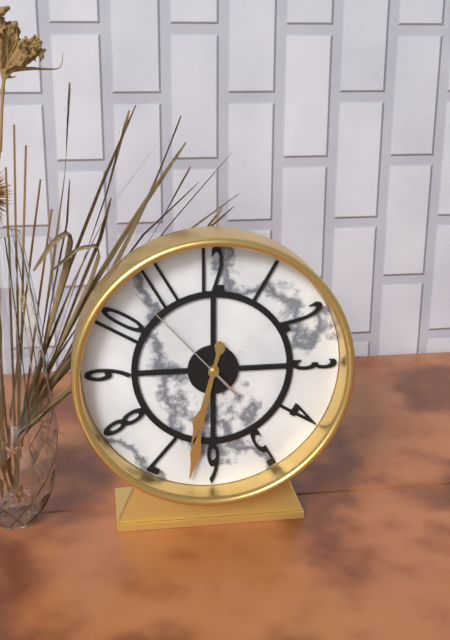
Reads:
{"hour": 6, "minute": 32, "second": 53}
